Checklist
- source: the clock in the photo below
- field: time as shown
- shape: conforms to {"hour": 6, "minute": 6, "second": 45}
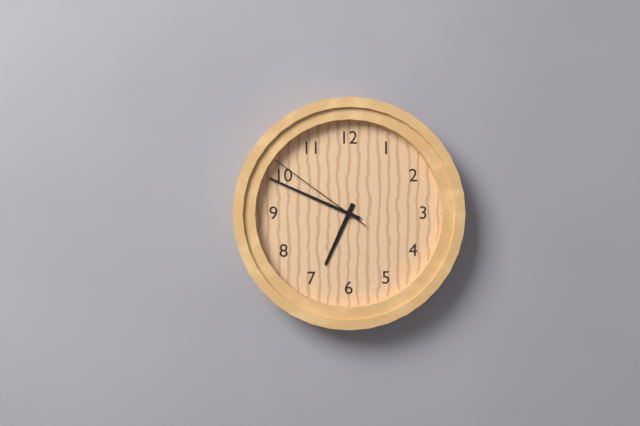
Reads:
{"hour": 6, "minute": 49, "second": 51}
